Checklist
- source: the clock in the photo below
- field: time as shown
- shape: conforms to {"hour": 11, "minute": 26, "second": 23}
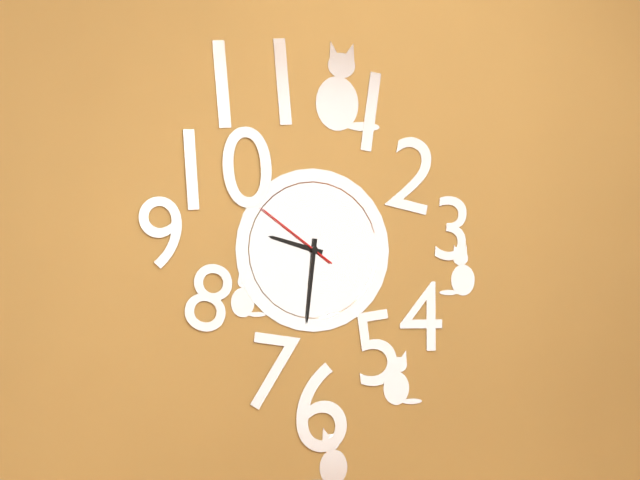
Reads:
{"hour": 9, "minute": 31, "second": 51}
